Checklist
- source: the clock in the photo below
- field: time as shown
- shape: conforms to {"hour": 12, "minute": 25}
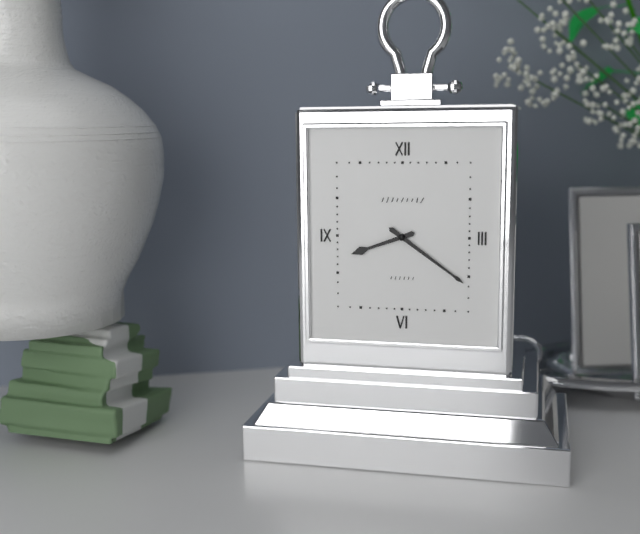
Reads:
{"hour": 8, "minute": 21}
